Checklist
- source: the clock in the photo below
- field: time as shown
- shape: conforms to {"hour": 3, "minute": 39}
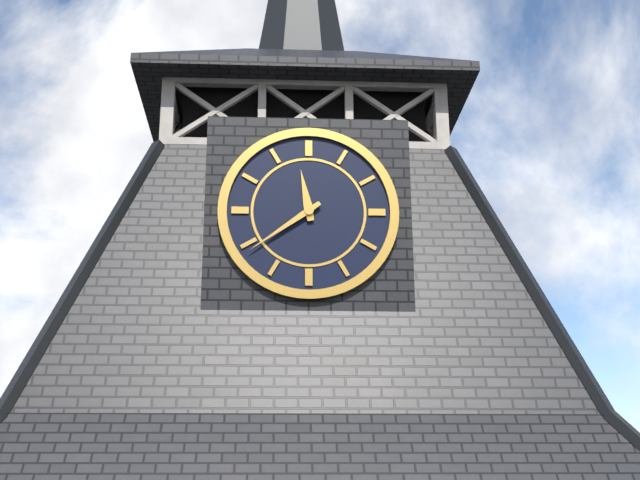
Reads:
{"hour": 11, "minute": 39}
